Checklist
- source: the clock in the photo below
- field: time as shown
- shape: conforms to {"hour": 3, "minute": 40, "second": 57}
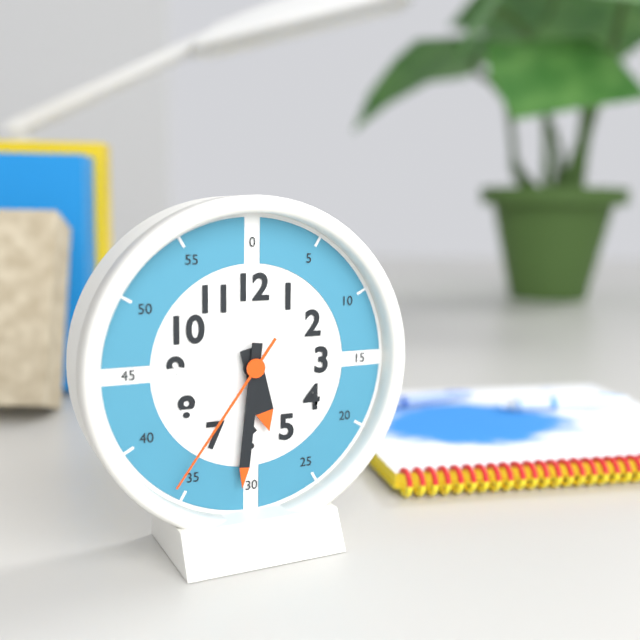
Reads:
{"hour": 5, "minute": 31, "second": 36}
